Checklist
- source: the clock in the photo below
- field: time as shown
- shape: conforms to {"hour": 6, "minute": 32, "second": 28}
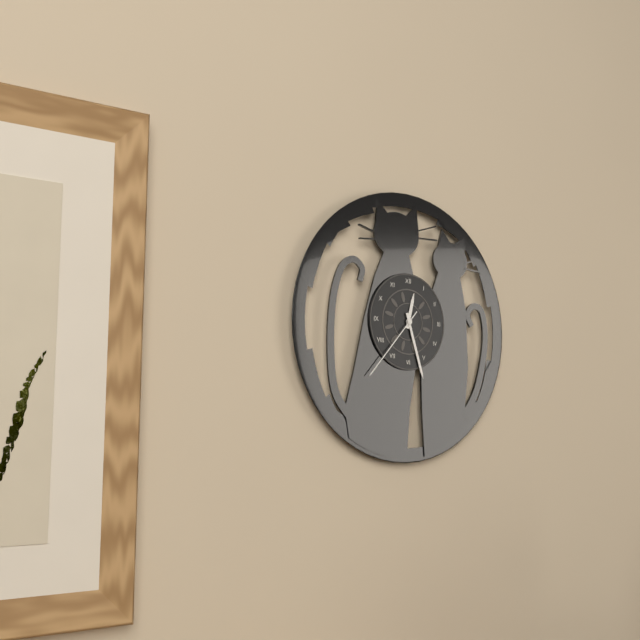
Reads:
{"hour": 12, "minute": 27, "second": 37}
